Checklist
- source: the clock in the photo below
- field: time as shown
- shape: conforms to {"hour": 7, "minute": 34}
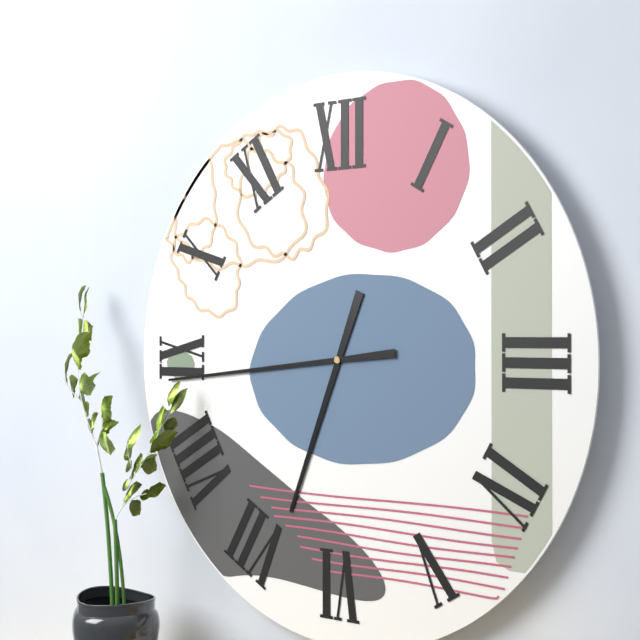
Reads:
{"hour": 6, "minute": 44}
